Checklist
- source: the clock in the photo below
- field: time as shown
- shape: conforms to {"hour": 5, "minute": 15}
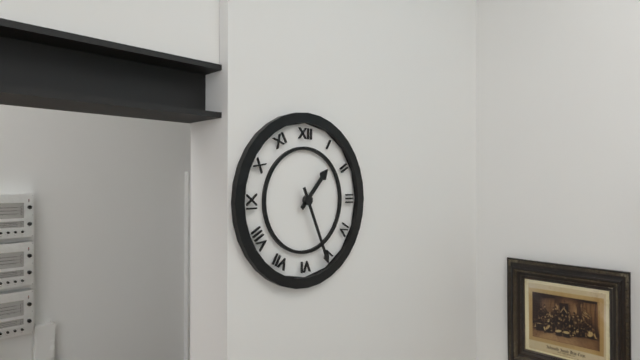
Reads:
{"hour": 1, "minute": 26}
